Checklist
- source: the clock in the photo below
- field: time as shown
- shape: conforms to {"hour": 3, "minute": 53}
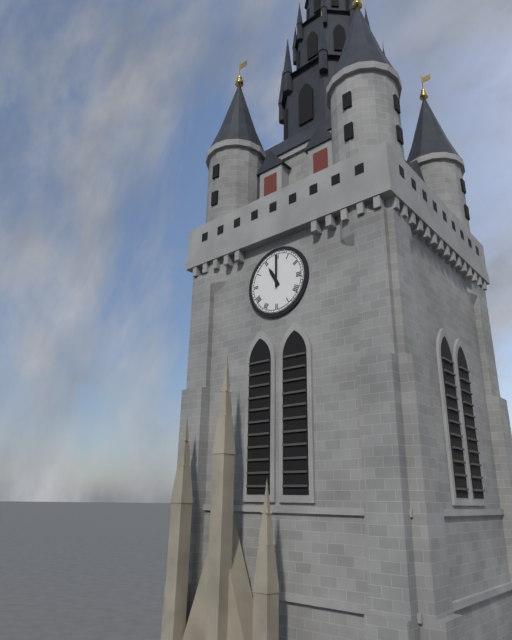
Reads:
{"hour": 11, "minute": 0}
